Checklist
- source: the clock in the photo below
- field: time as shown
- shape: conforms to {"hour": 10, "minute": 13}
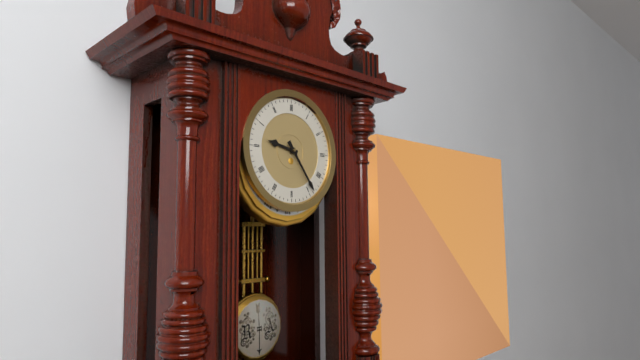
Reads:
{"hour": 9, "minute": 24}
